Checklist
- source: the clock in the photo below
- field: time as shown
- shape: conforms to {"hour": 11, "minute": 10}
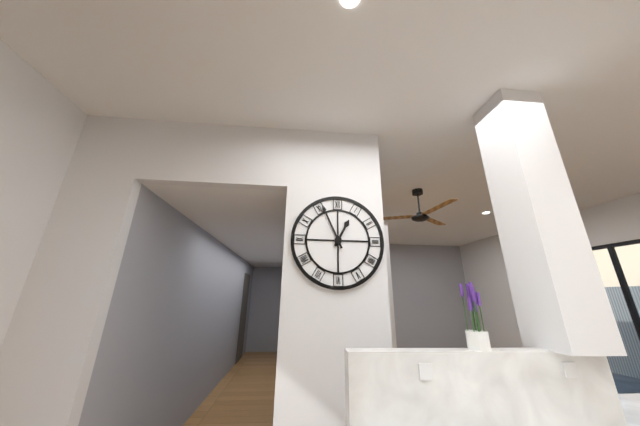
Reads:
{"hour": 12, "minute": 56}
